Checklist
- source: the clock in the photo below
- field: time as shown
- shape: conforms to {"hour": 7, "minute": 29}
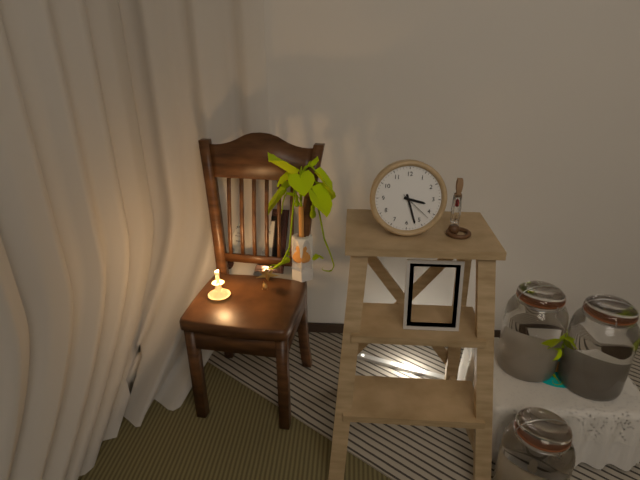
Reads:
{"hour": 3, "minute": 27}
